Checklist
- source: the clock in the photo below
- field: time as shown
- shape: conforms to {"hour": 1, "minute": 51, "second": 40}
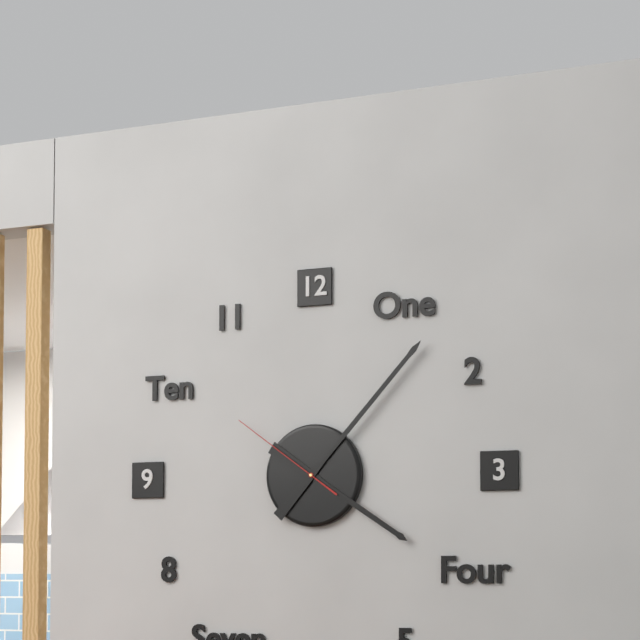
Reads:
{"hour": 4, "minute": 7, "second": 51}
